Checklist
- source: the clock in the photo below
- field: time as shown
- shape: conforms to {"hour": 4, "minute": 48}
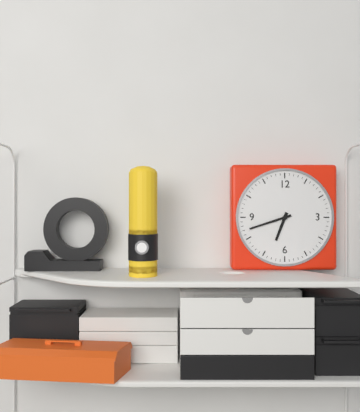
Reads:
{"hour": 6, "minute": 42}
